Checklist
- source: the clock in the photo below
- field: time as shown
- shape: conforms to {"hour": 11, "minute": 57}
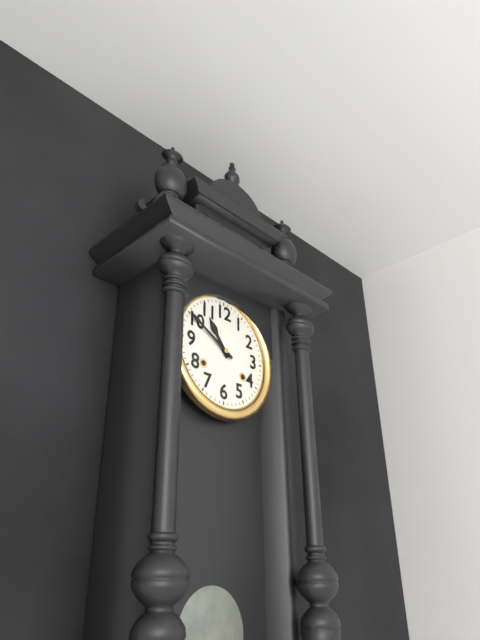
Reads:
{"hour": 10, "minute": 50}
